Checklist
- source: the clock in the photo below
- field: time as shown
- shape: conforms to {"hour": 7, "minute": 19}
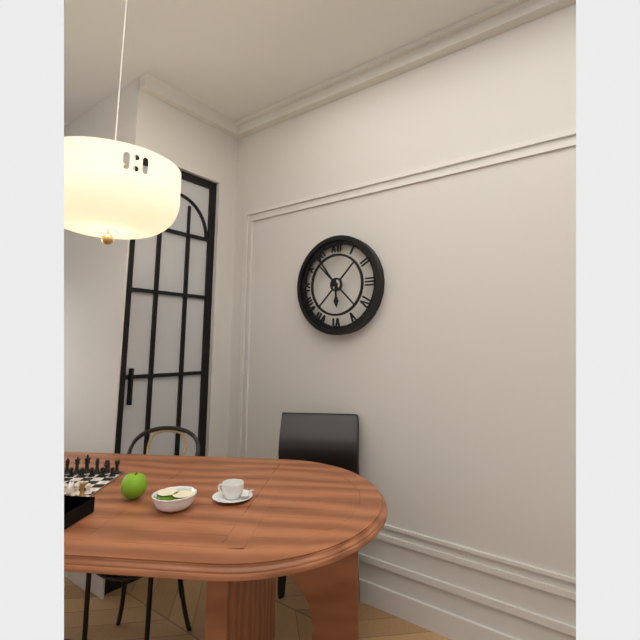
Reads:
{"hour": 5, "minute": 54}
